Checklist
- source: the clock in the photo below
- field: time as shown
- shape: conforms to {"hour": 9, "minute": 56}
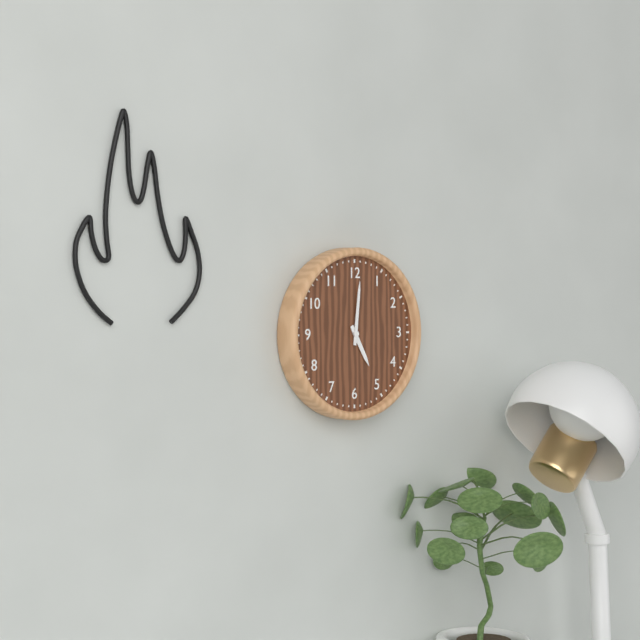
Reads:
{"hour": 5, "minute": 1}
